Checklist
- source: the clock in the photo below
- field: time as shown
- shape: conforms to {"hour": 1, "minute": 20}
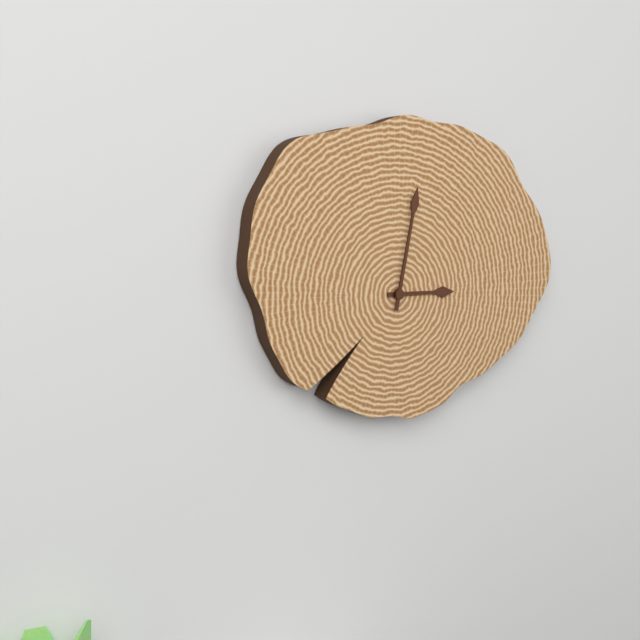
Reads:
{"hour": 3, "minute": 2}
